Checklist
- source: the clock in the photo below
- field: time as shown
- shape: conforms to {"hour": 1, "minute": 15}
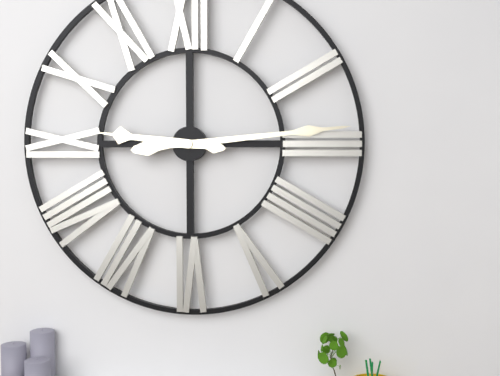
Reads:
{"hour": 9, "minute": 14}
